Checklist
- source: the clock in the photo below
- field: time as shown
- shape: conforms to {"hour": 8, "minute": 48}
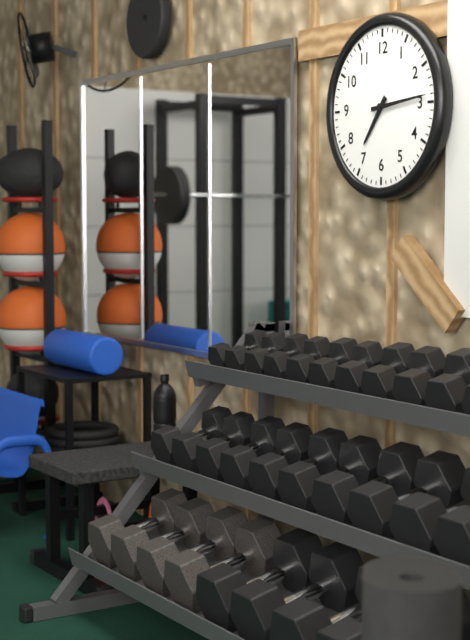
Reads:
{"hour": 7, "minute": 14}
